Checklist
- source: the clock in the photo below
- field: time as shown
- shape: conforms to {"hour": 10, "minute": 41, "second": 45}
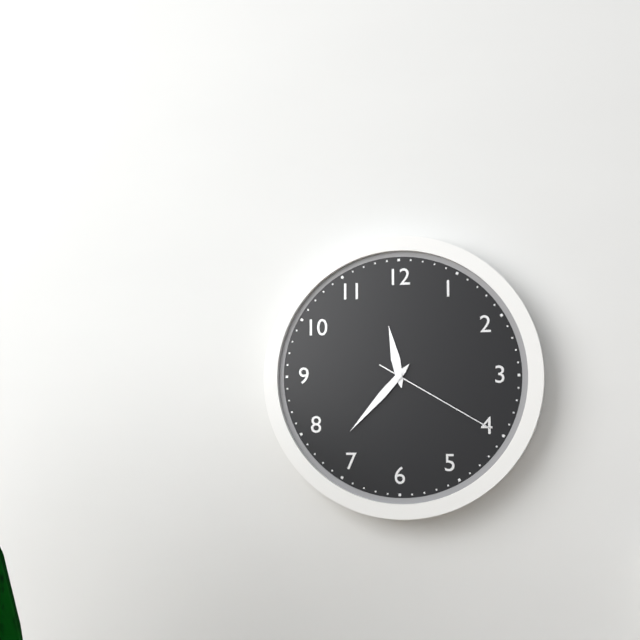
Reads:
{"hour": 11, "minute": 37, "second": 20}
